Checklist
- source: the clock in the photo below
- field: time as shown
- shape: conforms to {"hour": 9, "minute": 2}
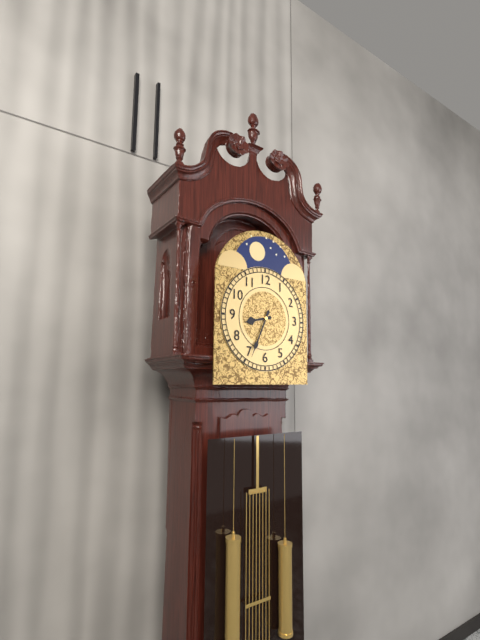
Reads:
{"hour": 8, "minute": 34}
